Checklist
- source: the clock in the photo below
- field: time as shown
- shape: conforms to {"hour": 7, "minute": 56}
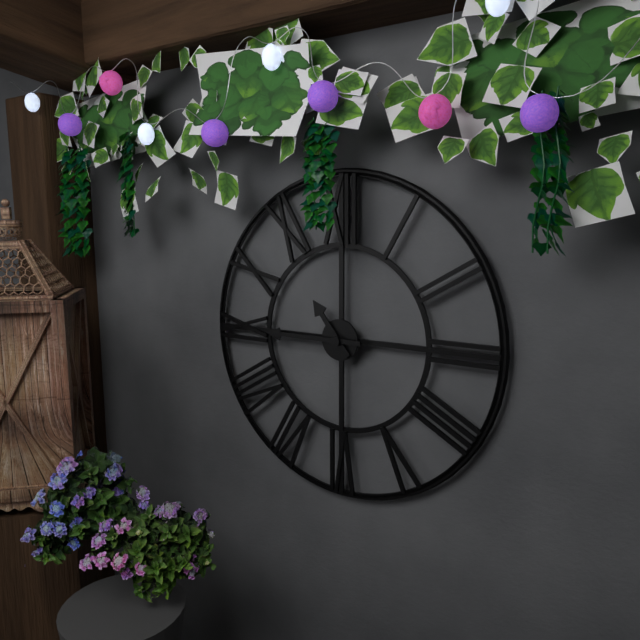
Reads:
{"hour": 10, "minute": 45}
